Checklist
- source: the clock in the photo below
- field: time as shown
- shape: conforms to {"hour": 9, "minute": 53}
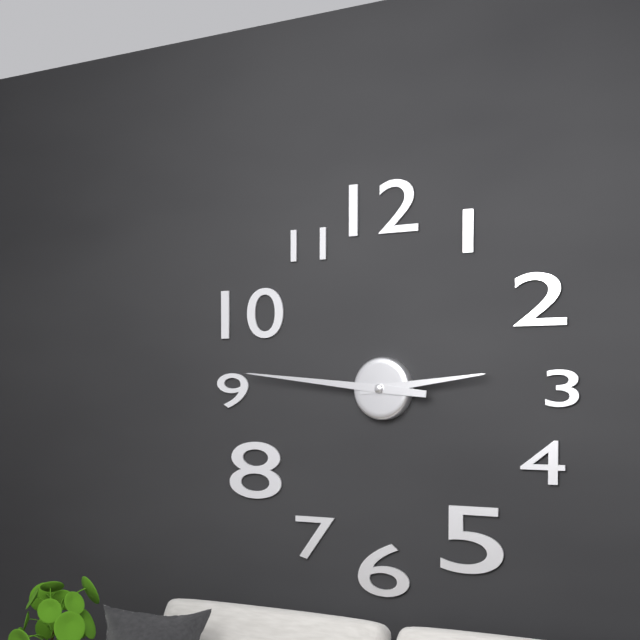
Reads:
{"hour": 2, "minute": 46}
